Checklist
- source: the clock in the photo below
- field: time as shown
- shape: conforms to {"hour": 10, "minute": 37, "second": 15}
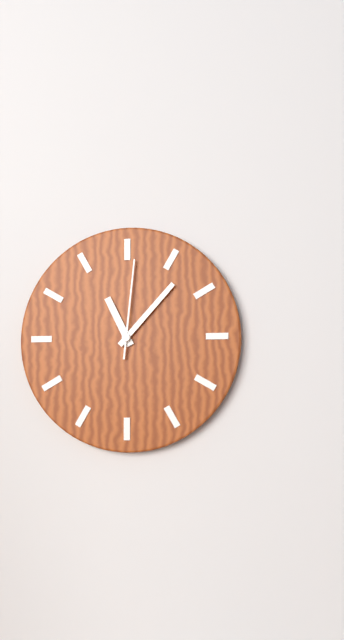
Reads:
{"hour": 11, "minute": 7, "second": 1}
